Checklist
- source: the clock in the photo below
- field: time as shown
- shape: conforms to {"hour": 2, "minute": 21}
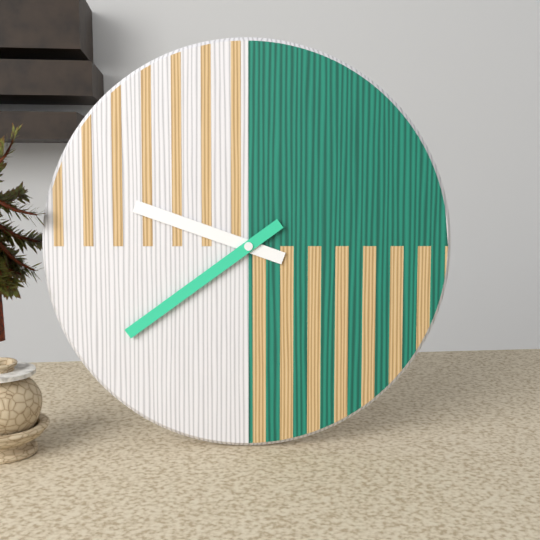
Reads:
{"hour": 9, "minute": 39}
